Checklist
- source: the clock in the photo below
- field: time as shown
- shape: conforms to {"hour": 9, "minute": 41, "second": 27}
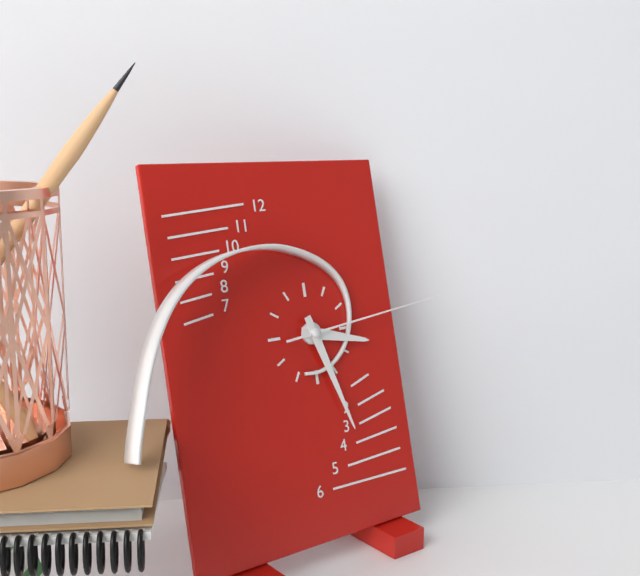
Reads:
{"hour": 3, "minute": 27, "second": 14}
